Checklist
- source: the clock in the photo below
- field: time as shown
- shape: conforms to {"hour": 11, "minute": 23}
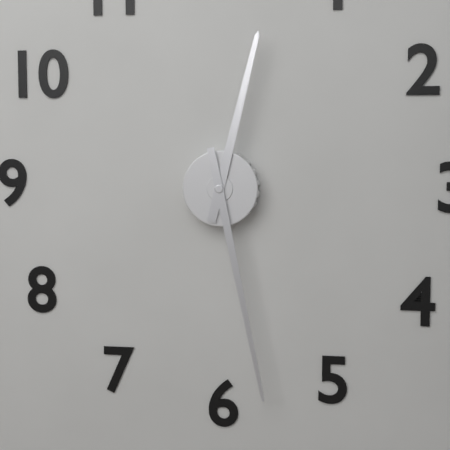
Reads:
{"hour": 12, "minute": 28}
